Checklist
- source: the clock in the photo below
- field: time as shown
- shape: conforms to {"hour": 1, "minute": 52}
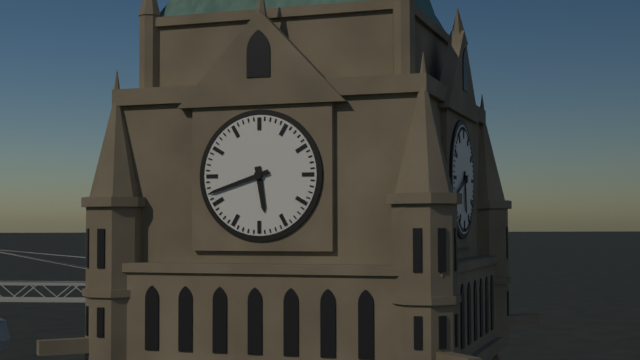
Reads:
{"hour": 5, "minute": 42}
